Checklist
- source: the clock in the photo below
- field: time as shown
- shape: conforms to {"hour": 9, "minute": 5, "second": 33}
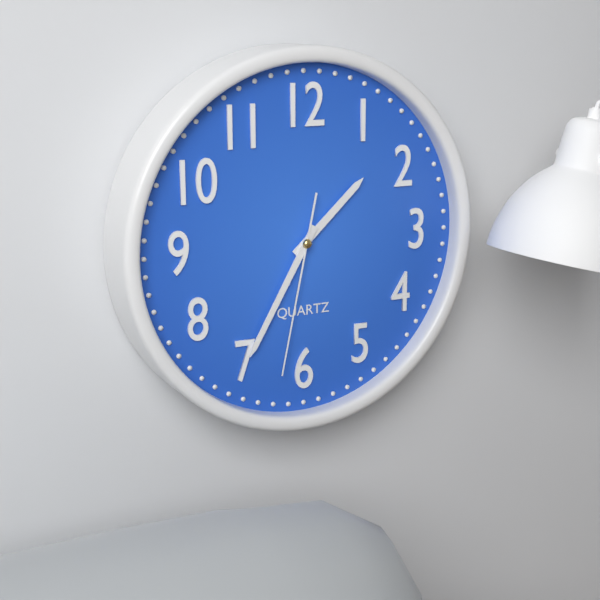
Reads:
{"hour": 1, "minute": 35, "second": 32}
